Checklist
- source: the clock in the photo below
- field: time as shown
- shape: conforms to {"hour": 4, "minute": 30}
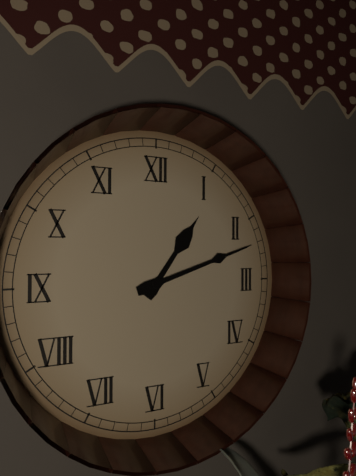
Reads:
{"hour": 1, "minute": 12}
